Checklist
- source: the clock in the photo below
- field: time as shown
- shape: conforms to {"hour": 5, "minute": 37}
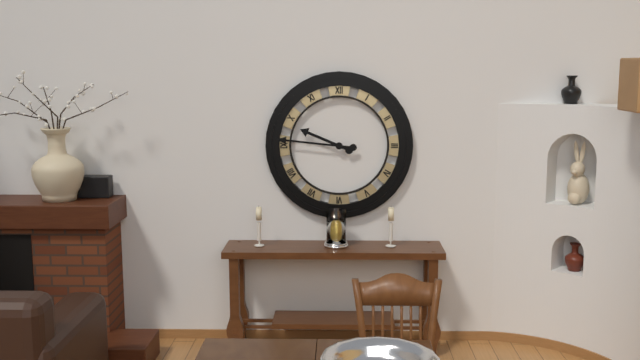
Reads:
{"hour": 9, "minute": 46}
